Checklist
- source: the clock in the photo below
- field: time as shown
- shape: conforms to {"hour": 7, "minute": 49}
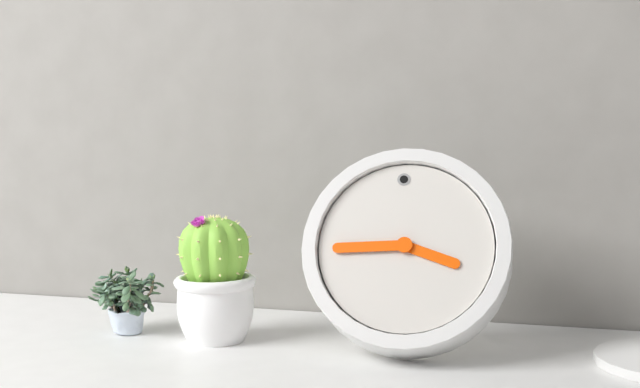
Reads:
{"hour": 3, "minute": 45}
